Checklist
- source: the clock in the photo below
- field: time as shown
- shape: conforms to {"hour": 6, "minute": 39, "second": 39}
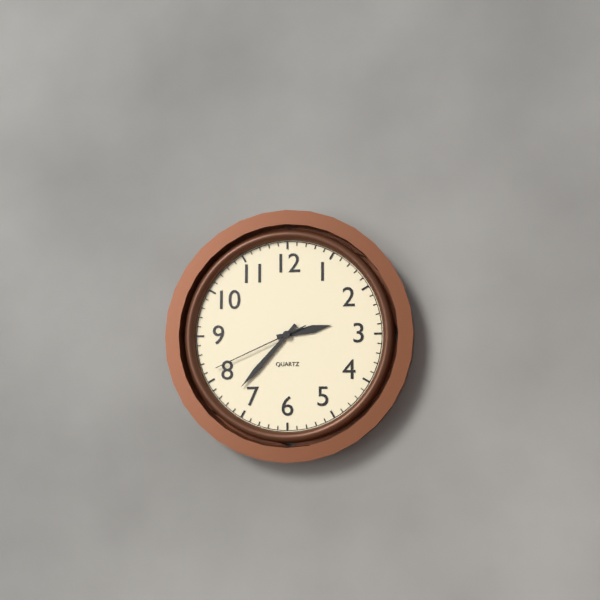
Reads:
{"hour": 2, "minute": 37, "second": 41}
